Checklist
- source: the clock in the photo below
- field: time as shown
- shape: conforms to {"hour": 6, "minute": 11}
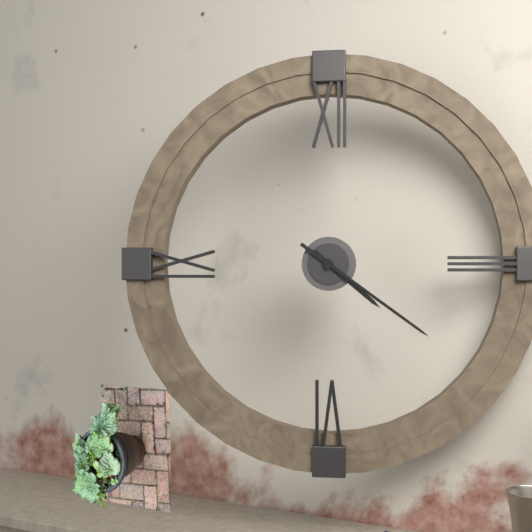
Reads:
{"hour": 4, "minute": 21}
